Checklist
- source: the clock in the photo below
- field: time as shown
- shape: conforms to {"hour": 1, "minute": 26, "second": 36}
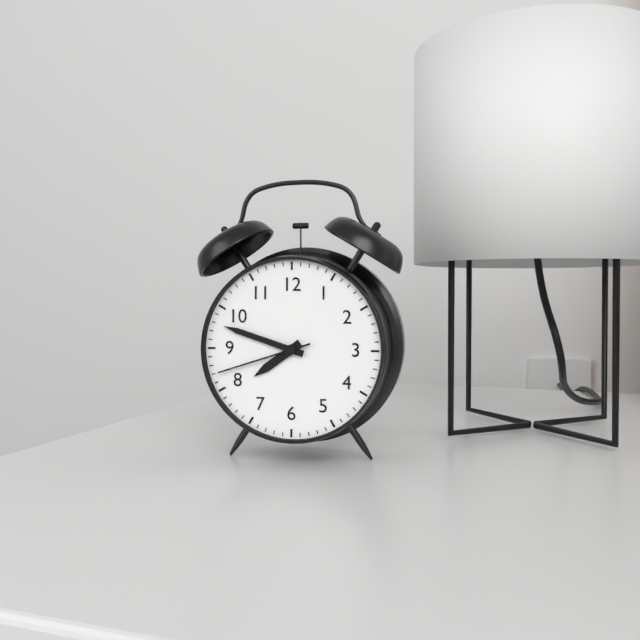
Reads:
{"hour": 7, "minute": 48, "second": 42}
